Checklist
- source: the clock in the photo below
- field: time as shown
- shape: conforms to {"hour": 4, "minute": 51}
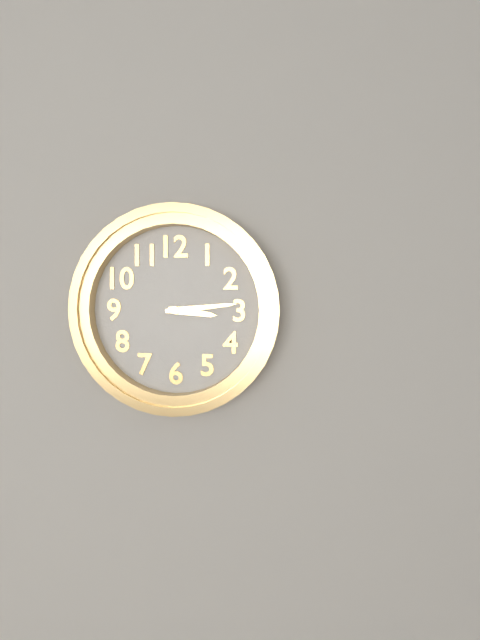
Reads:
{"hour": 3, "minute": 14}
